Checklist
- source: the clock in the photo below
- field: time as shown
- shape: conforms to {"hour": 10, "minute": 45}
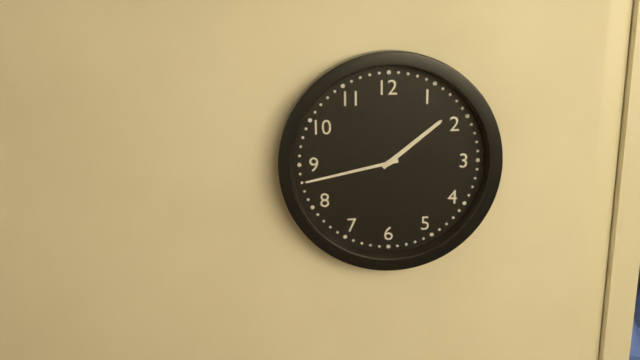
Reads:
{"hour": 1, "minute": 43}
